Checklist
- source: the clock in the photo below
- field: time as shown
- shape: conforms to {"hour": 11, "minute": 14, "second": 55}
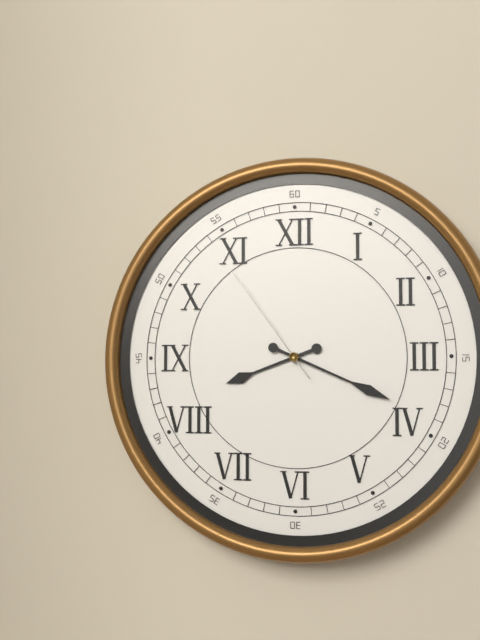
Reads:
{"hour": 8, "minute": 19, "second": 54}
